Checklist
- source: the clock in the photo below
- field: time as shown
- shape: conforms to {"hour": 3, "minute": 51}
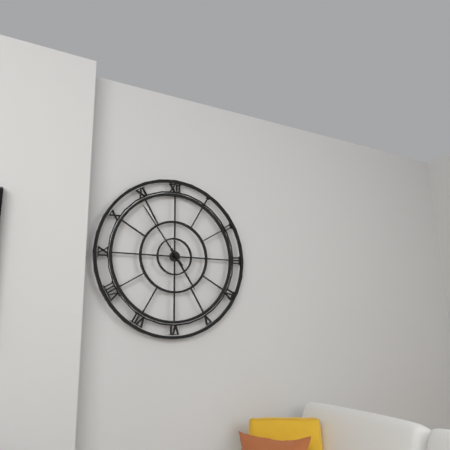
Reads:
{"hour": 4, "minute": 54}
